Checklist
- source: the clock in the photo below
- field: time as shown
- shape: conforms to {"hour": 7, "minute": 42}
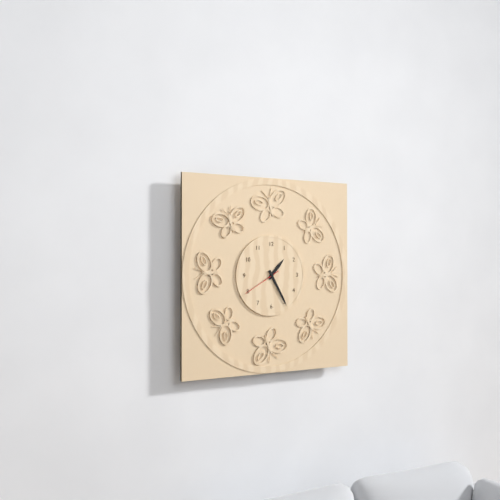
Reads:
{"hour": 1, "minute": 25}
